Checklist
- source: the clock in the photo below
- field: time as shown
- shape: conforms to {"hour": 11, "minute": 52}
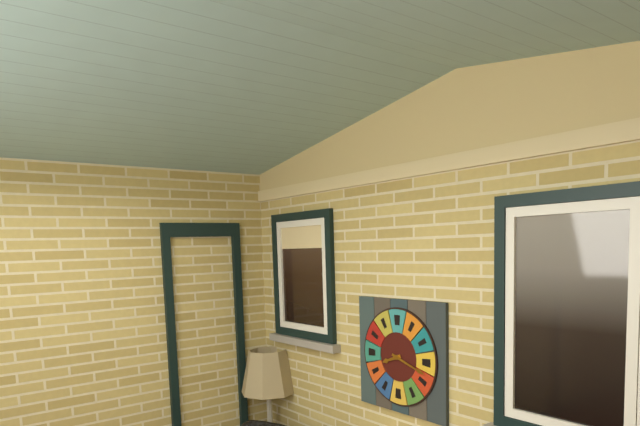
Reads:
{"hour": 8, "minute": 18}
